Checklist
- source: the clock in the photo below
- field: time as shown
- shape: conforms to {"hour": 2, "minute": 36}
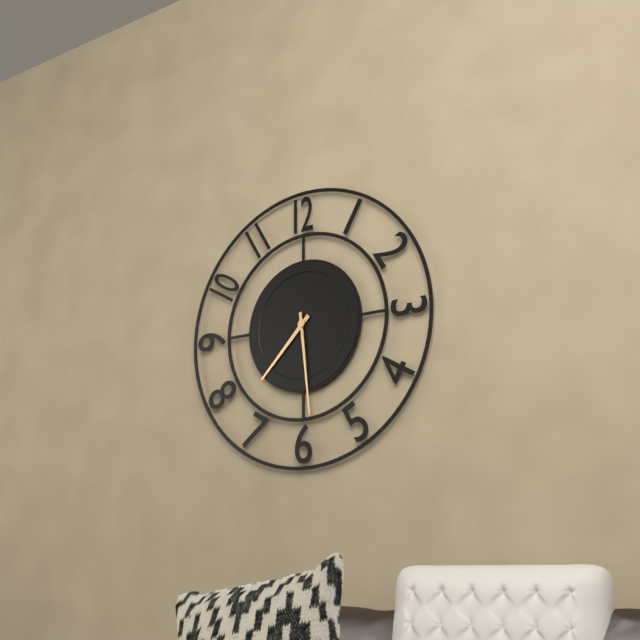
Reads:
{"hour": 7, "minute": 29}
